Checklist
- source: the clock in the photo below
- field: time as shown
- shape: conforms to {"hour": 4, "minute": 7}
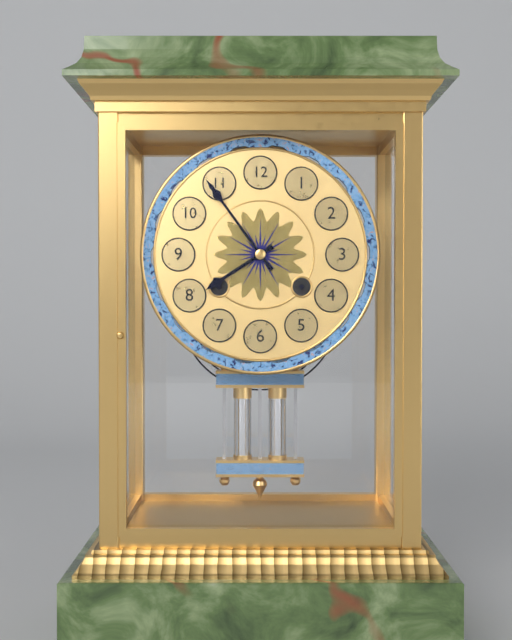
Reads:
{"hour": 7, "minute": 54}
